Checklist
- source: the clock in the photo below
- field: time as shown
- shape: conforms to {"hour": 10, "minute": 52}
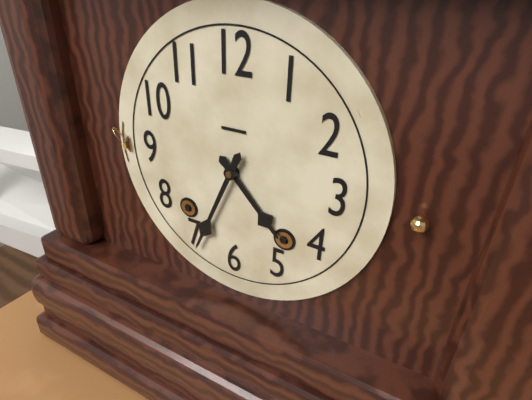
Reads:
{"hour": 4, "minute": 34}
